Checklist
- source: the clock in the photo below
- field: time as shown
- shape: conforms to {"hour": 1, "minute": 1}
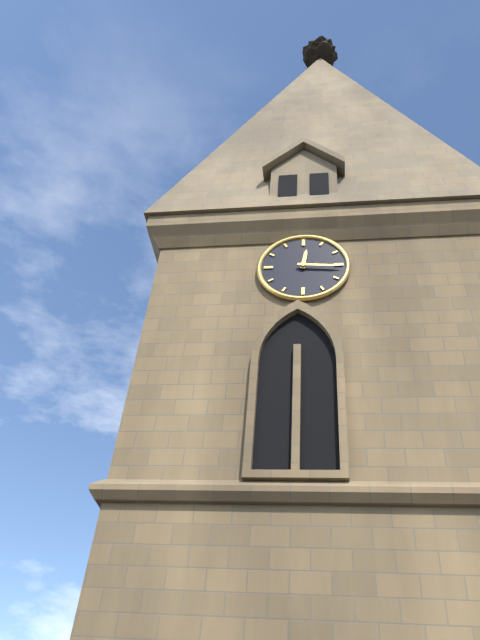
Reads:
{"hour": 12, "minute": 16}
